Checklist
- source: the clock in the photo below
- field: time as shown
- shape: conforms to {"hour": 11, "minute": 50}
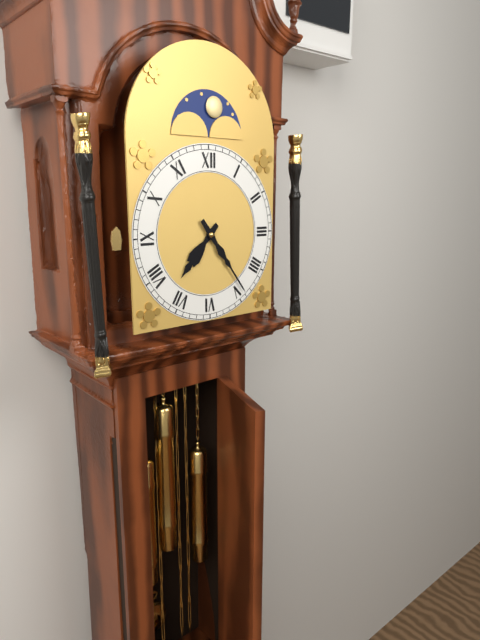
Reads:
{"hour": 7, "minute": 24}
